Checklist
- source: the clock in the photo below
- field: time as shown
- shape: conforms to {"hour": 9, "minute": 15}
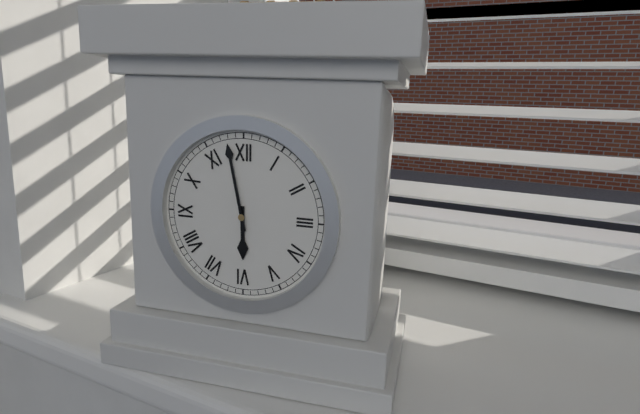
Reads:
{"hour": 5, "minute": 58}
